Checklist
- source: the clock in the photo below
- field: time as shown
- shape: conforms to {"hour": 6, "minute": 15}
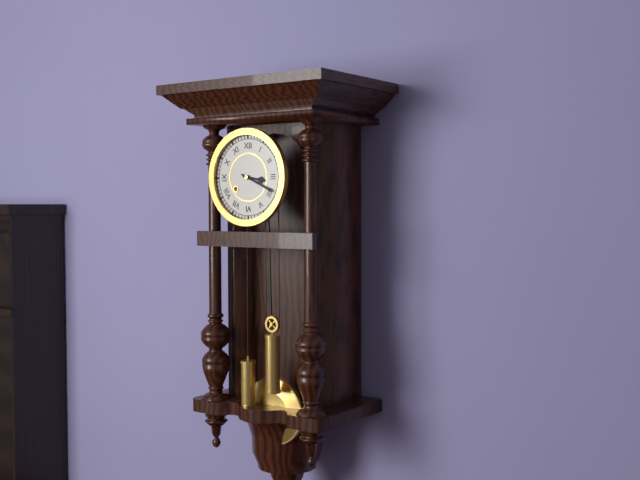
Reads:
{"hour": 3, "minute": 19}
